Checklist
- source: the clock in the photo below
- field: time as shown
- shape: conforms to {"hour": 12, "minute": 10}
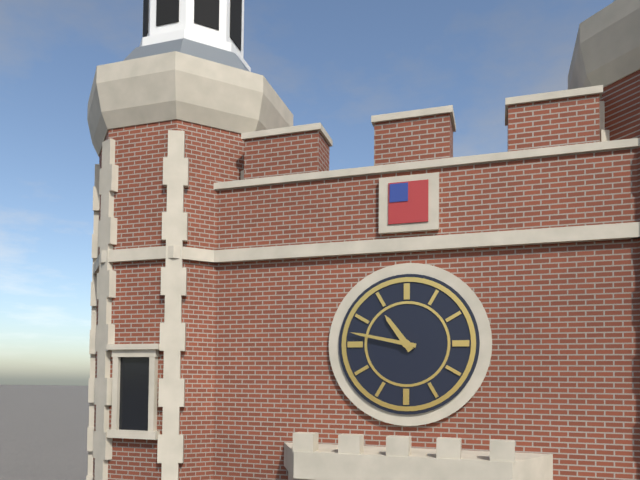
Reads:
{"hour": 10, "minute": 47}
